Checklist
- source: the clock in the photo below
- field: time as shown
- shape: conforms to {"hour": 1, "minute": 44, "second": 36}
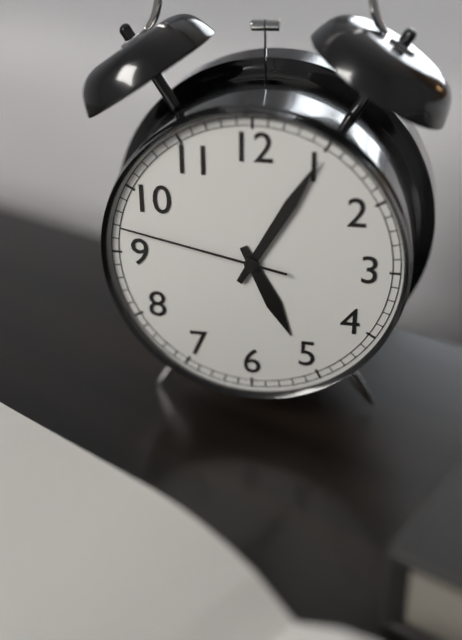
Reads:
{"hour": 5, "minute": 5, "second": 47}
